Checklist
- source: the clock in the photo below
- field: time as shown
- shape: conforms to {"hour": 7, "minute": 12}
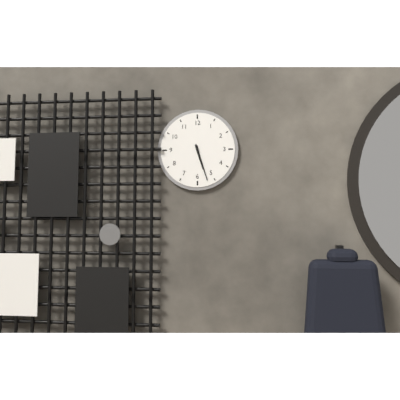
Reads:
{"hour": 5, "minute": 27}
